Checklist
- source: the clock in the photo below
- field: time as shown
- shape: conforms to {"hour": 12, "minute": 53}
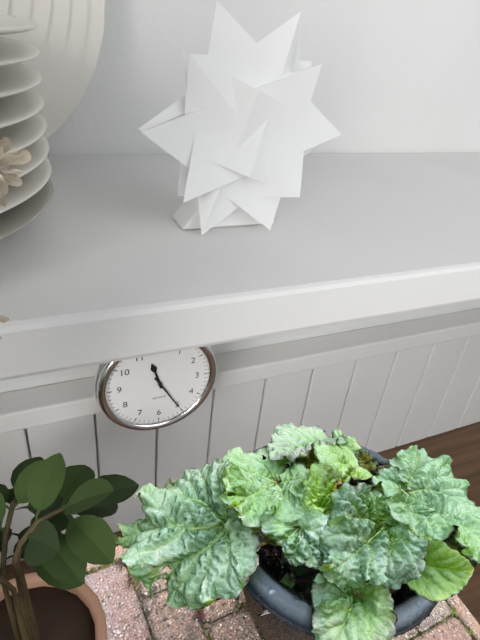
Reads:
{"hour": 11, "minute": 25}
